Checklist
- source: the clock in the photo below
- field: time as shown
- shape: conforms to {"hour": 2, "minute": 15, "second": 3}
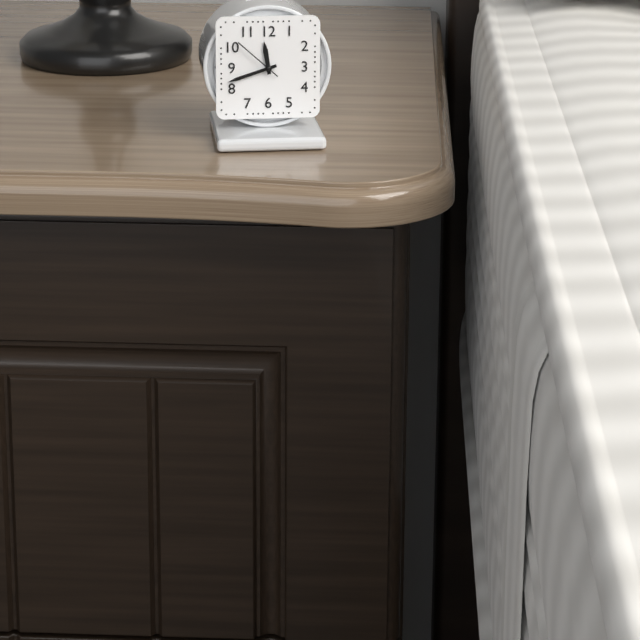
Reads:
{"hour": 11, "minute": 42, "second": 52}
